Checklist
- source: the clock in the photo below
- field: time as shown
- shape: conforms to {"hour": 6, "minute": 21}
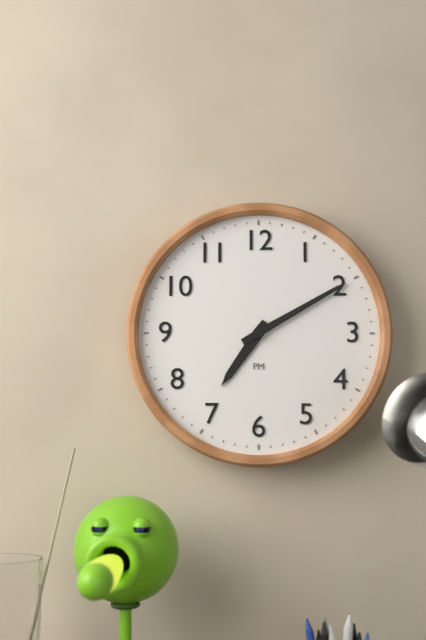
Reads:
{"hour": 7, "minute": 10}
